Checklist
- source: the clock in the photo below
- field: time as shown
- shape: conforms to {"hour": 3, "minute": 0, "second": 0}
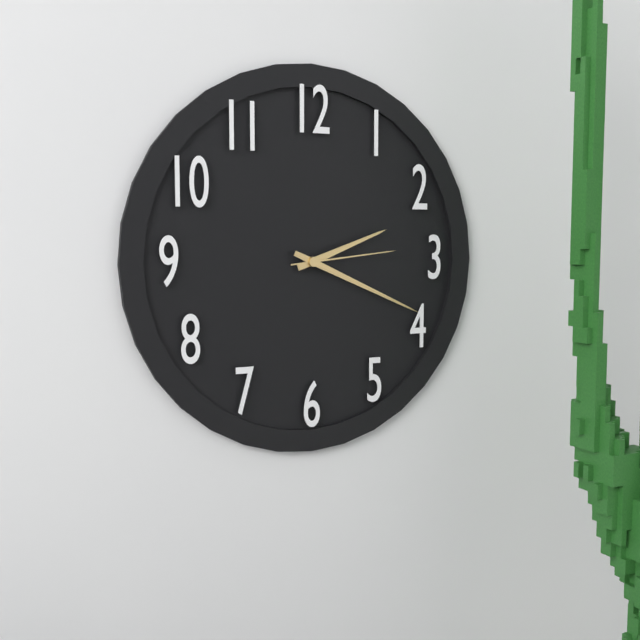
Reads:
{"hour": 2, "minute": 19, "second": 14}
